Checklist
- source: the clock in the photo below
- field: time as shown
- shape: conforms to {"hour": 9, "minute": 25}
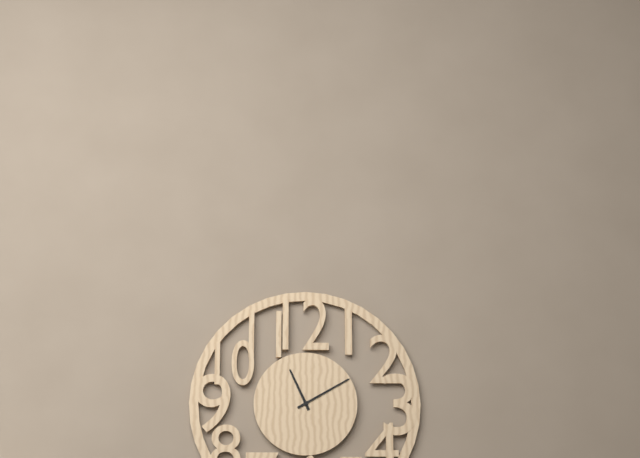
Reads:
{"hour": 11, "minute": 10}
